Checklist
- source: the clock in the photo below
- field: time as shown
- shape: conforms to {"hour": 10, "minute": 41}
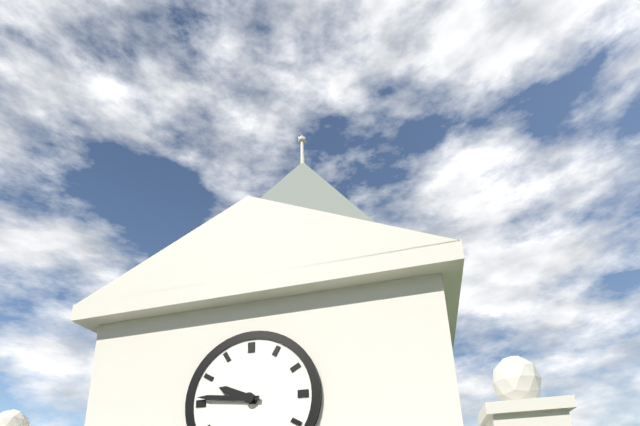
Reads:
{"hour": 9, "minute": 46}
